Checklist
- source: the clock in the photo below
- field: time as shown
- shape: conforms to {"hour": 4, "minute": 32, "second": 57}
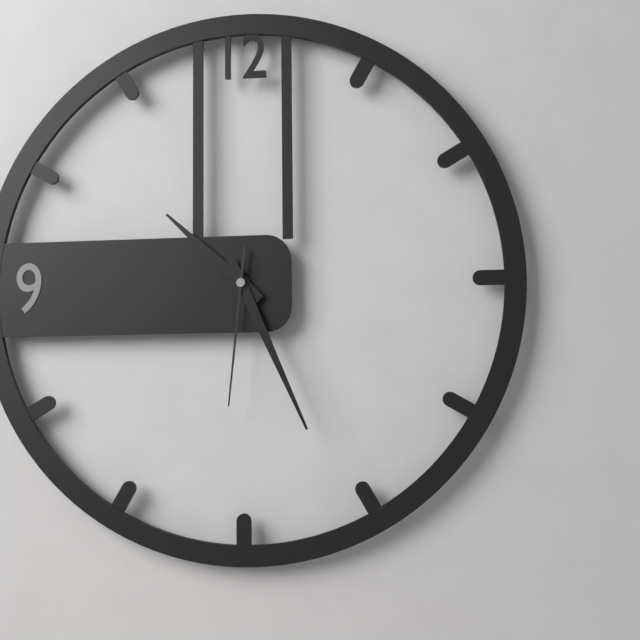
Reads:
{"hour": 10, "minute": 26, "second": 31}
